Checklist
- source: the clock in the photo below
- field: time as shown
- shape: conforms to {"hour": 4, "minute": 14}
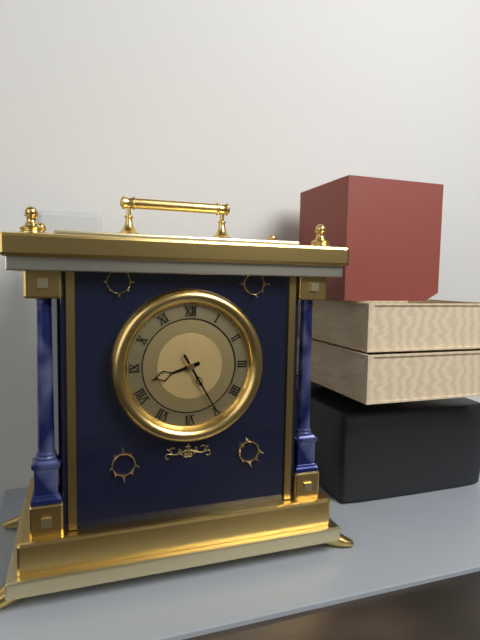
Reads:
{"hour": 8, "minute": 25}
